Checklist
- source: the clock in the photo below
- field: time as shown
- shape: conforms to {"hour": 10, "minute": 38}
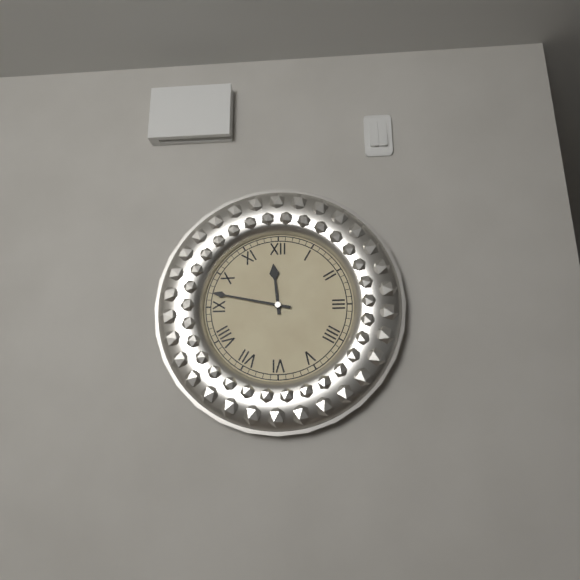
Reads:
{"hour": 11, "minute": 47}
